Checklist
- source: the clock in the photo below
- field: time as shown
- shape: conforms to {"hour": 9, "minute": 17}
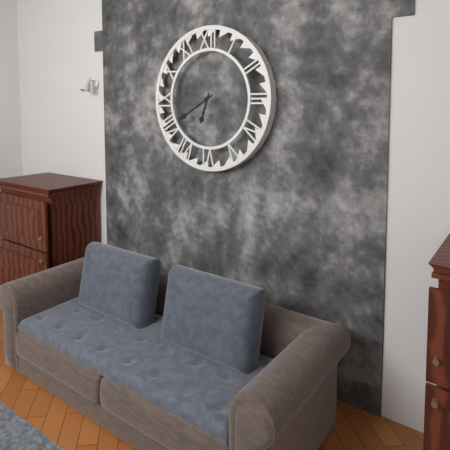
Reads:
{"hour": 6, "minute": 40}
